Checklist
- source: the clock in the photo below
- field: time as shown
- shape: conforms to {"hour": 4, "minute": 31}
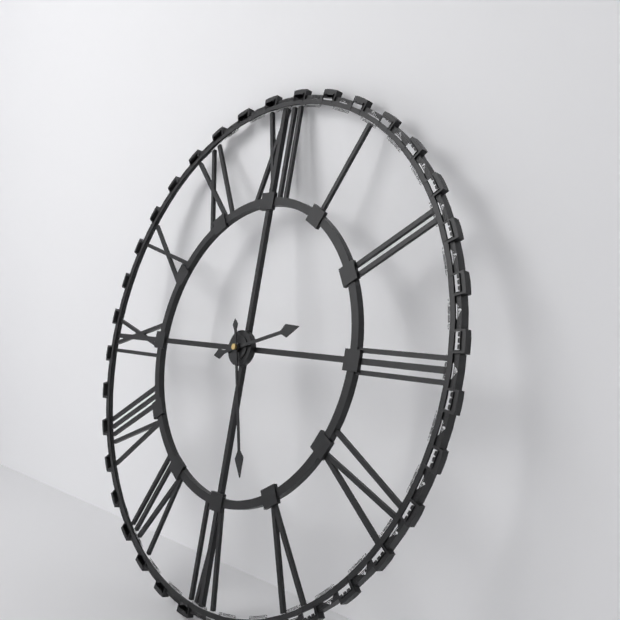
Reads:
{"hour": 2, "minute": 27}
